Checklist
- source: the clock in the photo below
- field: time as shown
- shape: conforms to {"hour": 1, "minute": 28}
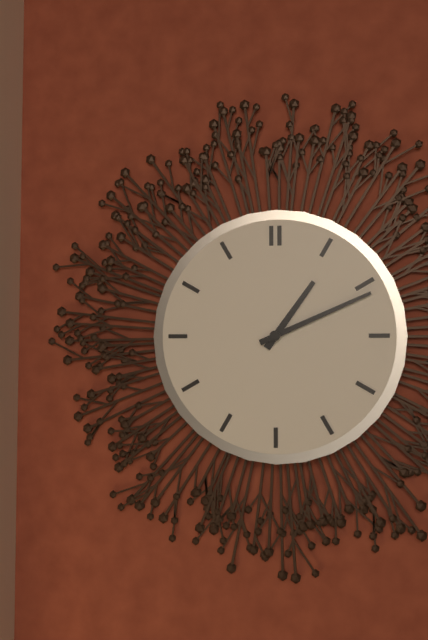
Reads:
{"hour": 1, "minute": 11}
